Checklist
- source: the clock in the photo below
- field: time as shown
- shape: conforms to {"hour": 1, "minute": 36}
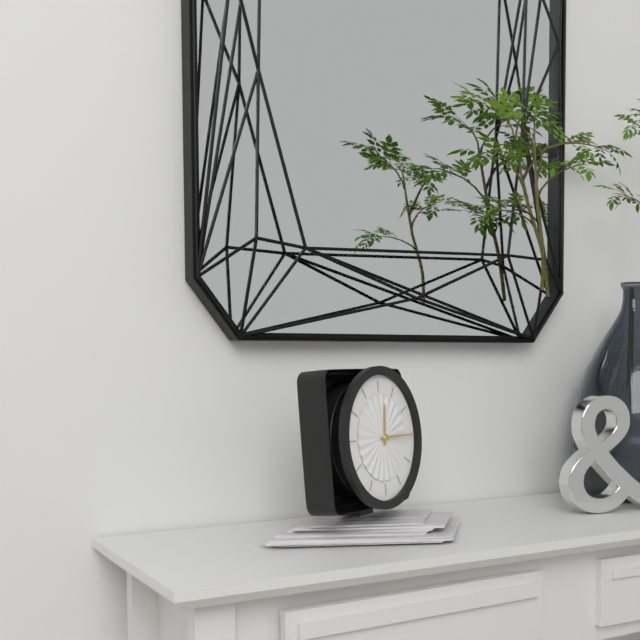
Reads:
{"hour": 12, "minute": 15}
